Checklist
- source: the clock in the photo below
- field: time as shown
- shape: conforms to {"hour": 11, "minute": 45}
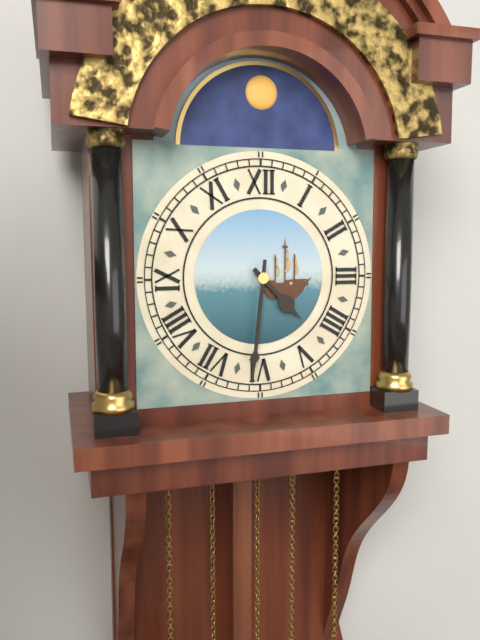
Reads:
{"hour": 4, "minute": 31}
